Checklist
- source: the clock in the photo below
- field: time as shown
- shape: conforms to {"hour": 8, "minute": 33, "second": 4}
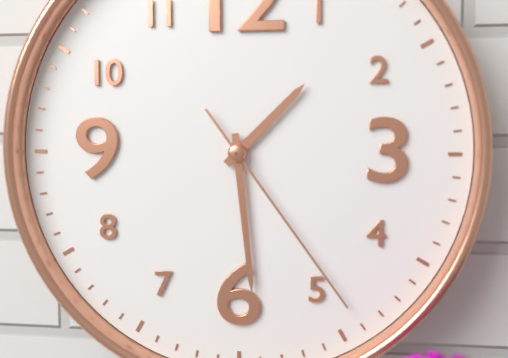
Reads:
{"hour": 1, "minute": 29, "second": 24}
